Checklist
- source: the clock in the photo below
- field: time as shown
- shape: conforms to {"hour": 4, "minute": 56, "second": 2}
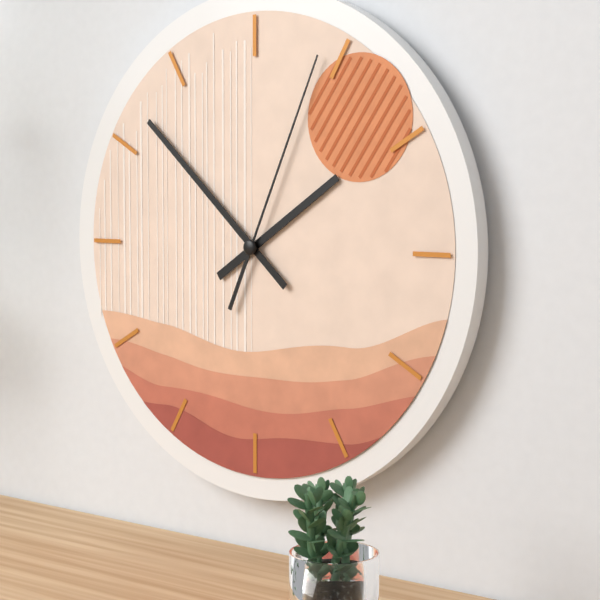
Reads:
{"hour": 1, "minute": 52, "second": 4}
